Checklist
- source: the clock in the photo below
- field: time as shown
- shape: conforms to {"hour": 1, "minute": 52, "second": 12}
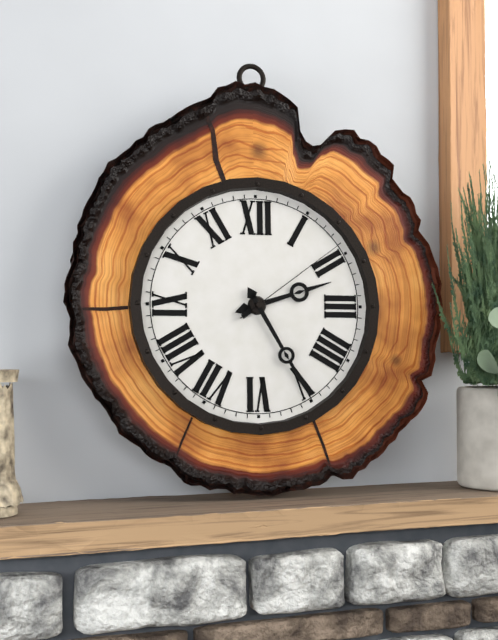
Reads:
{"hour": 2, "minute": 25, "second": 9}
